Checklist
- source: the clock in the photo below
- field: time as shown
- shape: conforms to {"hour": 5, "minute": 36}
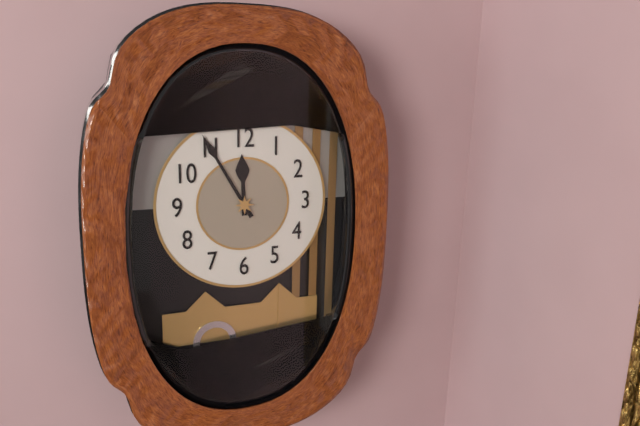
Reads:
{"hour": 11, "minute": 55}
